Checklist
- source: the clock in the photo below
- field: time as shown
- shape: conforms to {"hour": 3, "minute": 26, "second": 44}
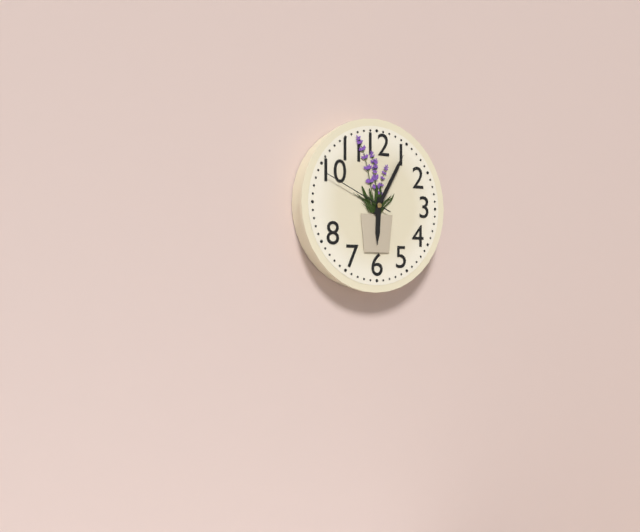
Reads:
{"hour": 6, "minute": 5, "second": 49}
